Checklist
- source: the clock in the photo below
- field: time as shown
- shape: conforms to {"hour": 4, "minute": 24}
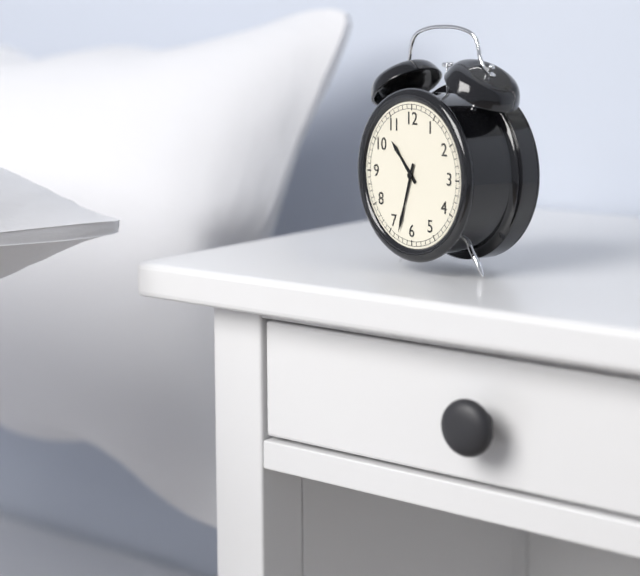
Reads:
{"hour": 10, "minute": 33}
